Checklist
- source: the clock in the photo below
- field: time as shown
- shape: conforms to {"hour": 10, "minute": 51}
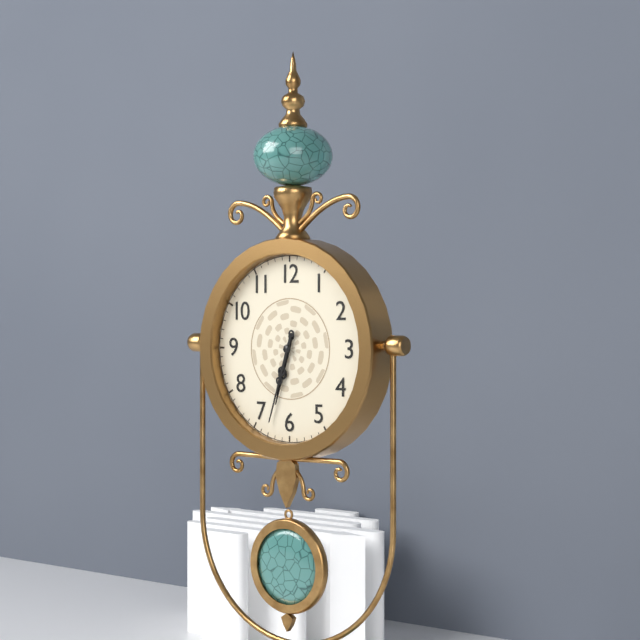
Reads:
{"hour": 6, "minute": 33}
